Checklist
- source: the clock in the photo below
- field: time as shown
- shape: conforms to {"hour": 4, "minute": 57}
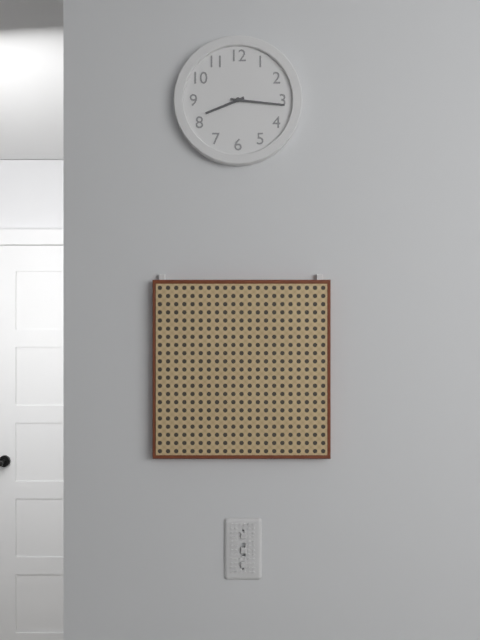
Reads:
{"hour": 8, "minute": 16}
